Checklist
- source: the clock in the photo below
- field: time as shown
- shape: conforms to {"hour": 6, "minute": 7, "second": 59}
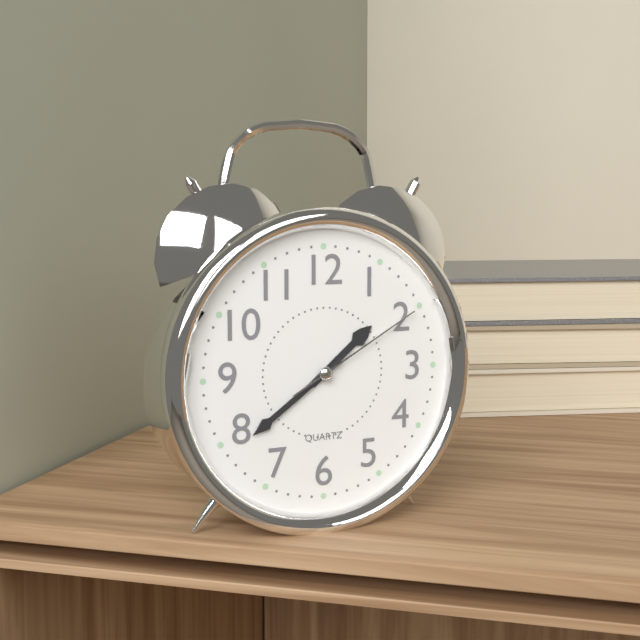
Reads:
{"hour": 1, "minute": 39, "second": 10}
